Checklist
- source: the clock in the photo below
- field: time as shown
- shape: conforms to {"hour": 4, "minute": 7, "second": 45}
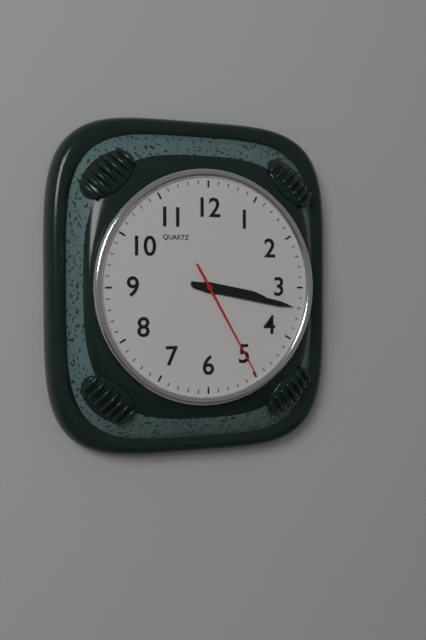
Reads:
{"hour": 3, "minute": 17, "second": 25}
